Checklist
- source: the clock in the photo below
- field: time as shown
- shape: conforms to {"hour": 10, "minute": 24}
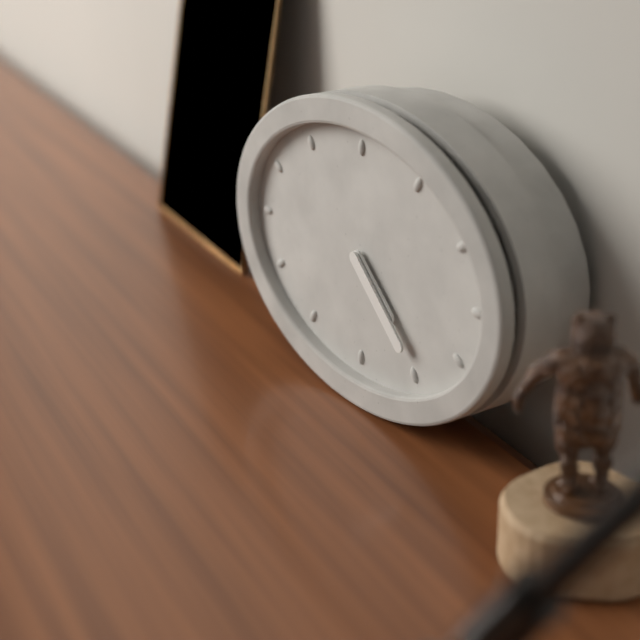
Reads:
{"hour": 4, "minute": 22}
